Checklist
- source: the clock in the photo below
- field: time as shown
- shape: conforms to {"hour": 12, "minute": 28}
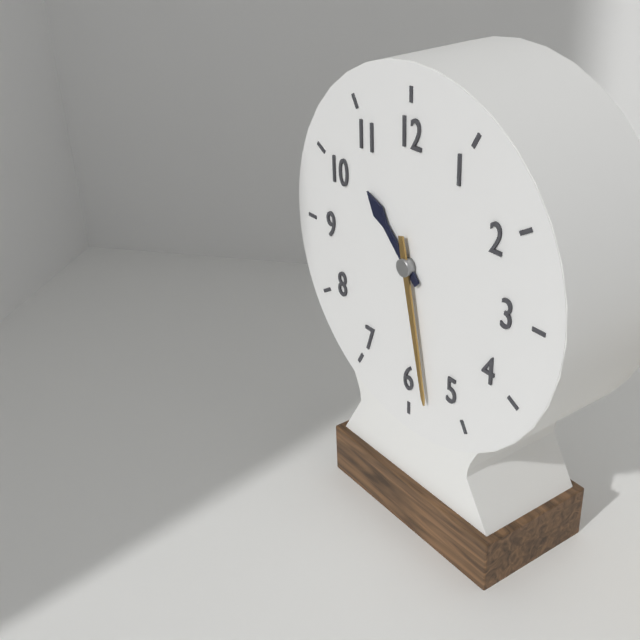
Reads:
{"hour": 10, "minute": 28}
